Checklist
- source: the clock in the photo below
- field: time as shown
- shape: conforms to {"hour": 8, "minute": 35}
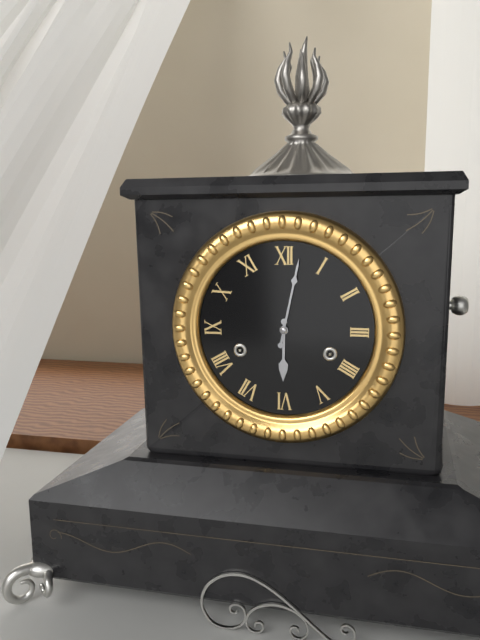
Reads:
{"hour": 6, "minute": 2}
